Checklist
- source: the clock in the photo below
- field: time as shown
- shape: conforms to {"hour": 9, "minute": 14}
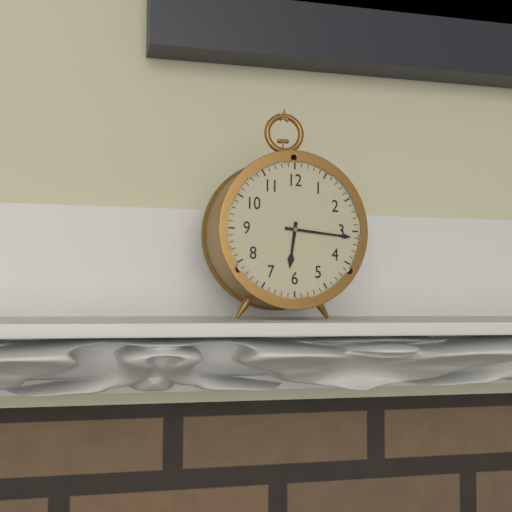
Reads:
{"hour": 6, "minute": 16}
